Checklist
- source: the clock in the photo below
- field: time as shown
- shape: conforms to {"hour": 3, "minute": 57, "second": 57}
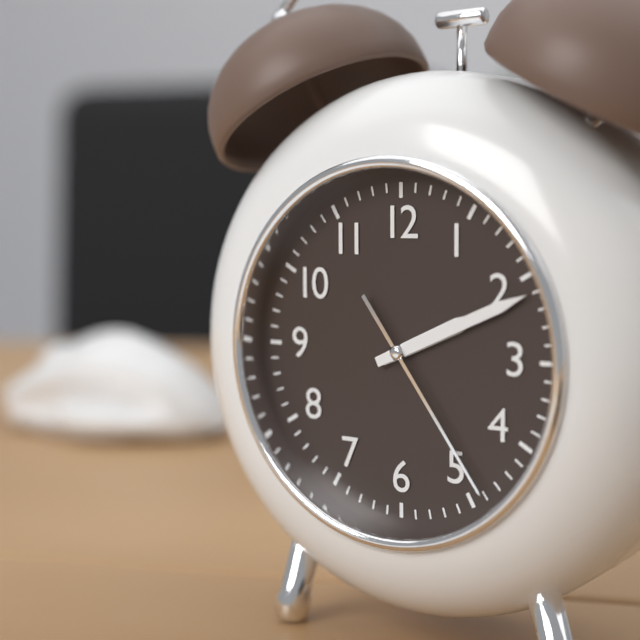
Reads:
{"hour": 2, "minute": 11, "second": 24}
